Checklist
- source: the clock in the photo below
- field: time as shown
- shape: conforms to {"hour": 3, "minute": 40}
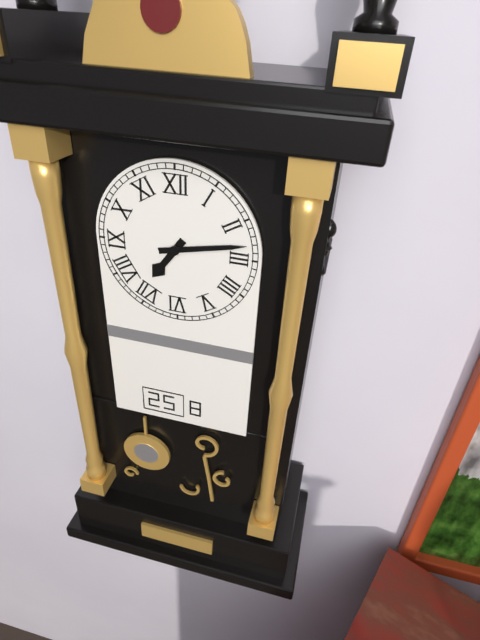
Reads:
{"hour": 7, "minute": 13}
